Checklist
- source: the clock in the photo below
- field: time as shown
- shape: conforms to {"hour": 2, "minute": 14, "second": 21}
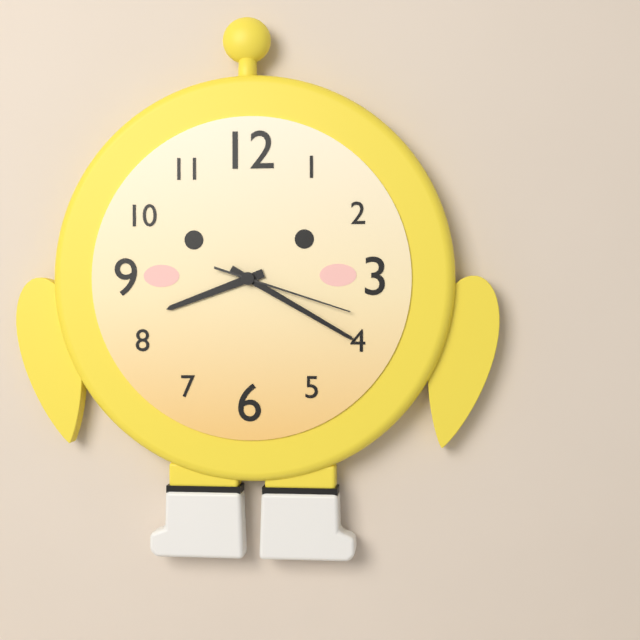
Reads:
{"hour": 8, "minute": 20, "second": 18}
